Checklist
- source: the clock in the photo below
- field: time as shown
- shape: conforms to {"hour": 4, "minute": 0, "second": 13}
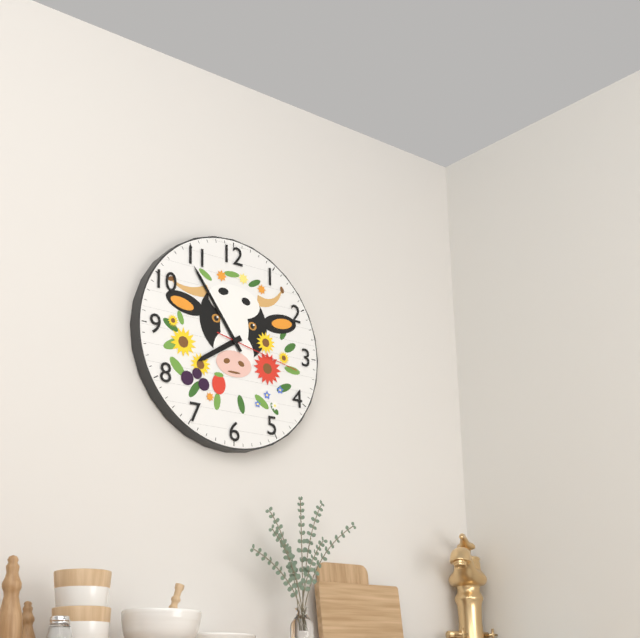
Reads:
{"hour": 7, "minute": 54, "second": 17}
